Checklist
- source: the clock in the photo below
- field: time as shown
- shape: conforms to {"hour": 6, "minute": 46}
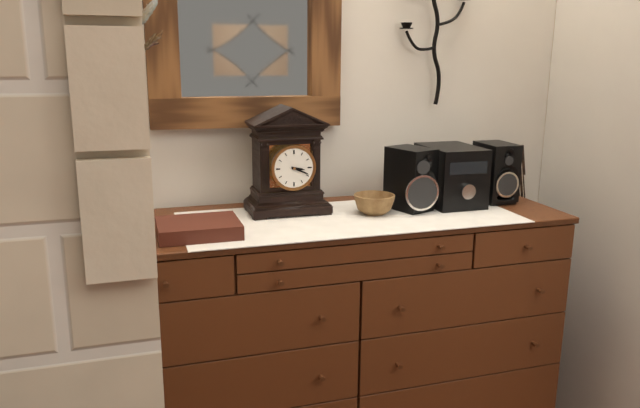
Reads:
{"hour": 3, "minute": 19}
